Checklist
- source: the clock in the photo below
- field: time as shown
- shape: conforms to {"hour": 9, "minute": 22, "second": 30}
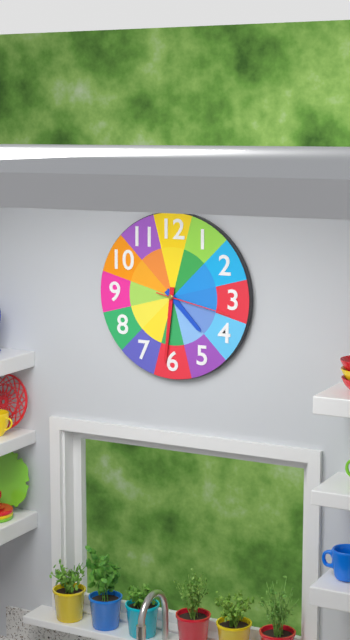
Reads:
{"hour": 4, "minute": 31, "second": 17}
